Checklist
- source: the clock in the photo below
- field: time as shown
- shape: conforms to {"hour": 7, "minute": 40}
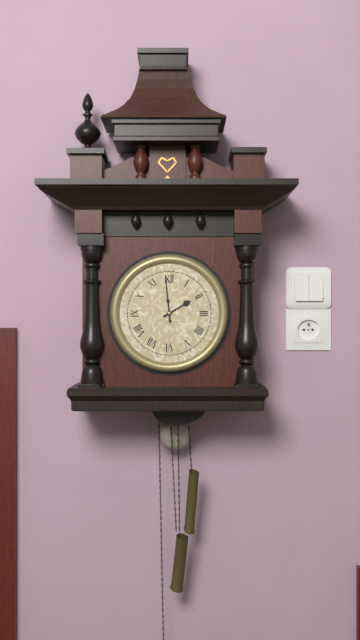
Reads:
{"hour": 1, "minute": 59}
